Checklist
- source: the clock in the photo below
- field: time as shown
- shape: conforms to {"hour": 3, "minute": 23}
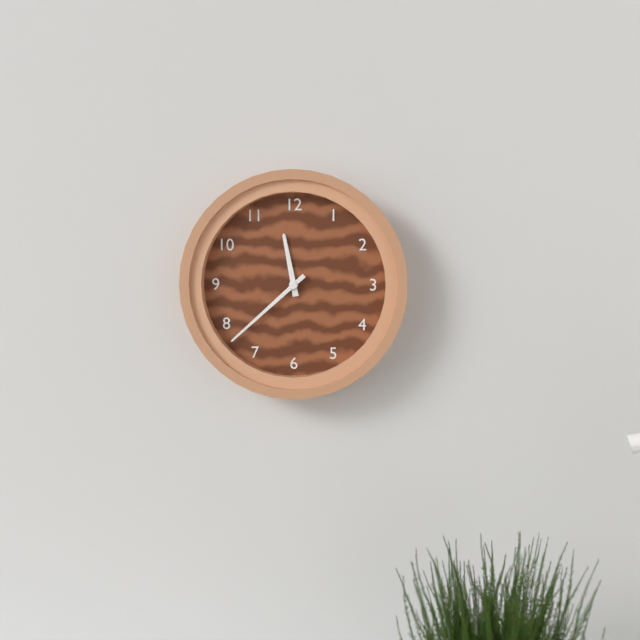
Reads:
{"hour": 11, "minute": 38}
